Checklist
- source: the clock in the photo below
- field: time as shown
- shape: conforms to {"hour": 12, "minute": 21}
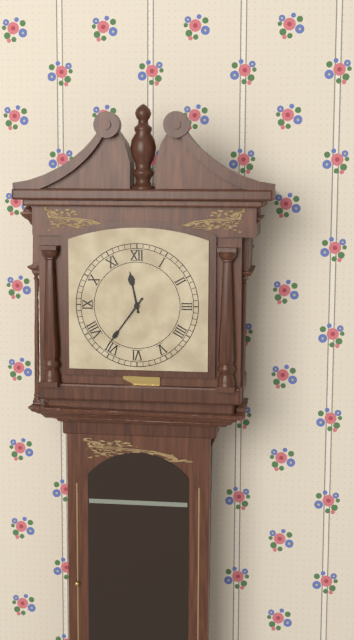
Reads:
{"hour": 11, "minute": 36}
